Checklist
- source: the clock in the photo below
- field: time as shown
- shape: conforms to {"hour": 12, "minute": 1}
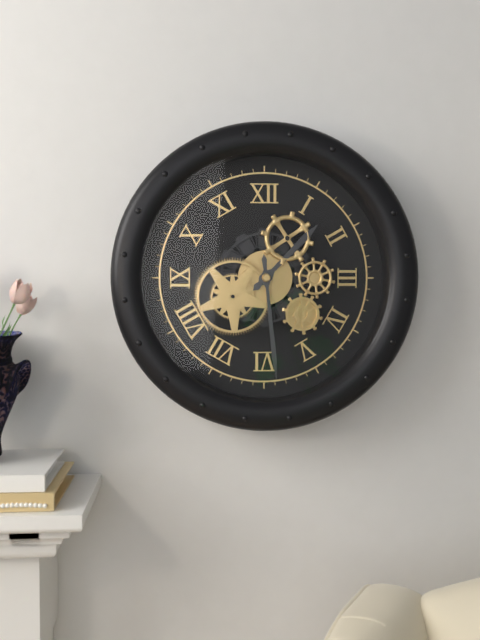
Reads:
{"hour": 1, "minute": 29}
